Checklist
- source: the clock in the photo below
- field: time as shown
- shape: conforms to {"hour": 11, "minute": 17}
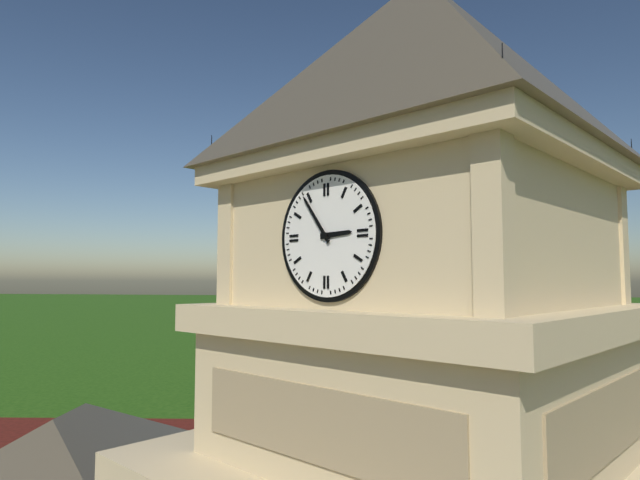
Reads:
{"hour": 2, "minute": 54}
